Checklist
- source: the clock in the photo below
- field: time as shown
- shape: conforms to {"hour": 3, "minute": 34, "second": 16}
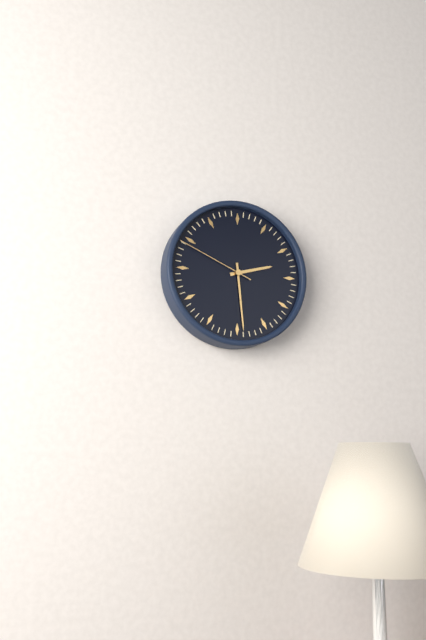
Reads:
{"hour": 2, "minute": 29, "second": 49}
